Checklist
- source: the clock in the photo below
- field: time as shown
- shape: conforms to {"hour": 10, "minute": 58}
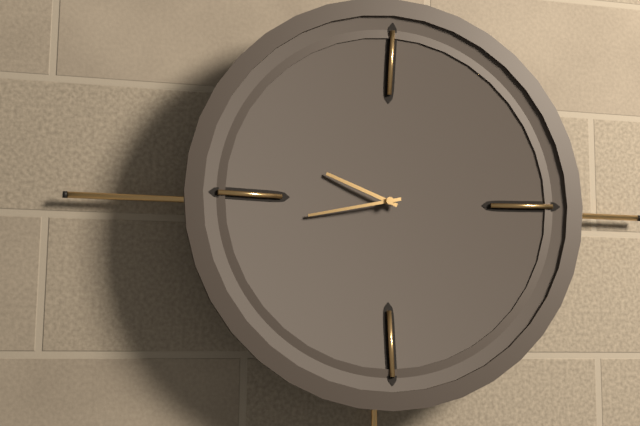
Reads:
{"hour": 9, "minute": 43}
